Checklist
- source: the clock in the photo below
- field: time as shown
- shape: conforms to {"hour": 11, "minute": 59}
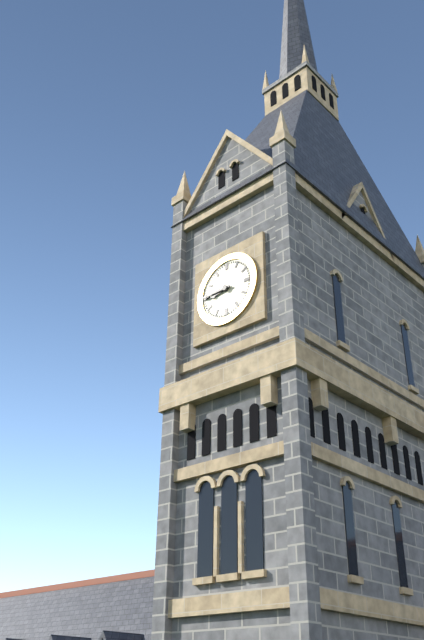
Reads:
{"hour": 8, "minute": 45}
